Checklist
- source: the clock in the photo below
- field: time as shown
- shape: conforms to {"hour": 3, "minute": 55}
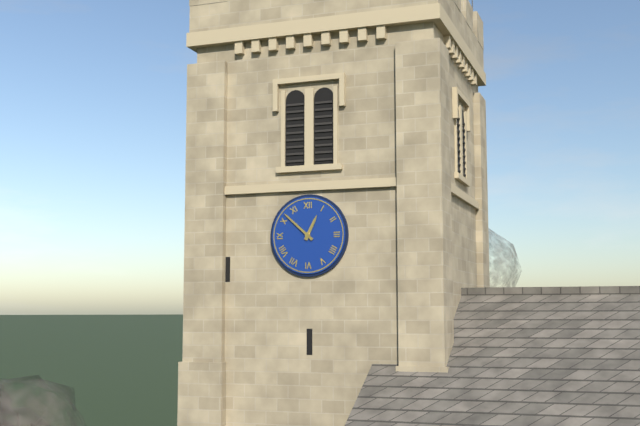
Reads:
{"hour": 12, "minute": 52}
